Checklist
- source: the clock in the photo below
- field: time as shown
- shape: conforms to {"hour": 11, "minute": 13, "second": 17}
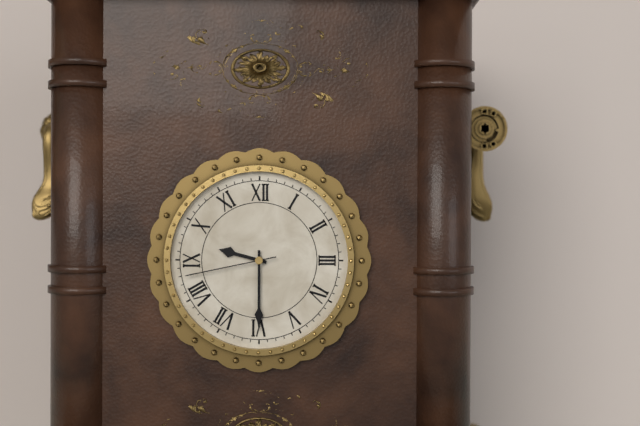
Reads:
{"hour": 9, "minute": 30, "second": 43}
